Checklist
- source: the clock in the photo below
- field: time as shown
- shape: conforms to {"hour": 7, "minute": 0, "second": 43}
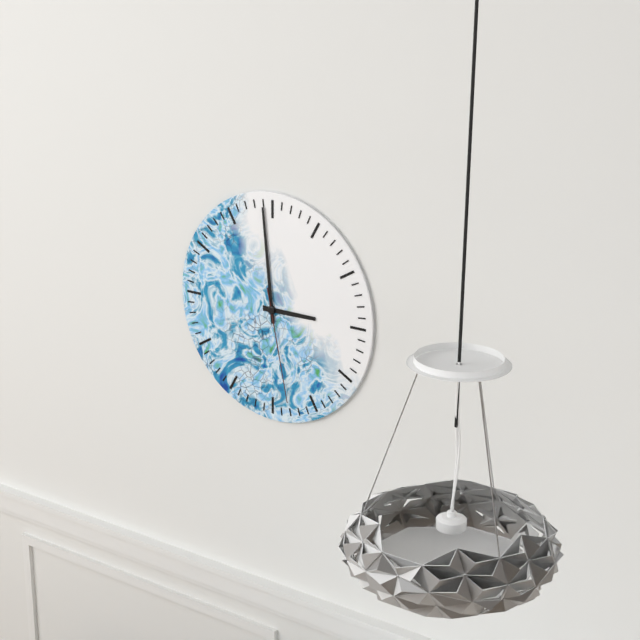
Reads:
{"hour": 2, "minute": 59, "second": 28}
